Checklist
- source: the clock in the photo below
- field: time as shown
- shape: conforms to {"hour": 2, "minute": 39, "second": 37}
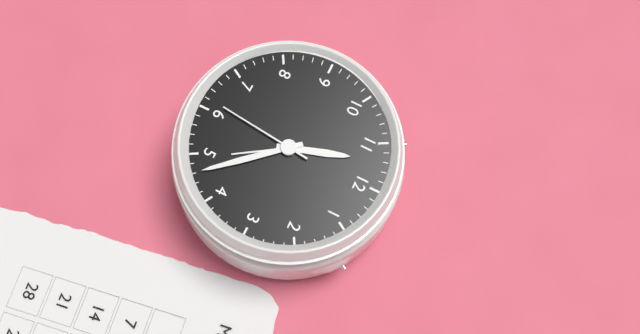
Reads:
{"hour": 11, "minute": 23, "second": 31}
